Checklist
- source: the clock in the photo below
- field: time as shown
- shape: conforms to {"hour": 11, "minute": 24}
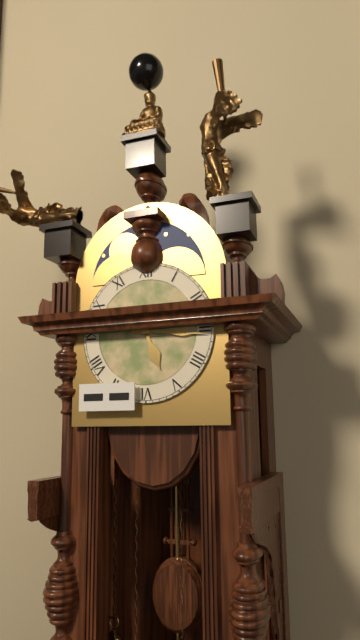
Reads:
{"hour": 5, "minute": 16}
